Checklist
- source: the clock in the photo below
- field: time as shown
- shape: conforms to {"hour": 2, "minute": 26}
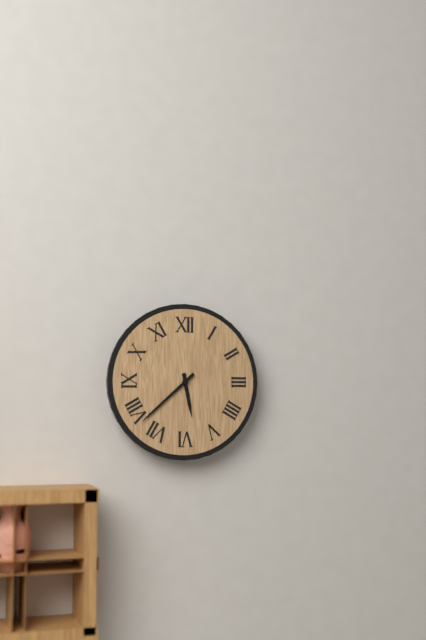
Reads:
{"hour": 5, "minute": 38}
